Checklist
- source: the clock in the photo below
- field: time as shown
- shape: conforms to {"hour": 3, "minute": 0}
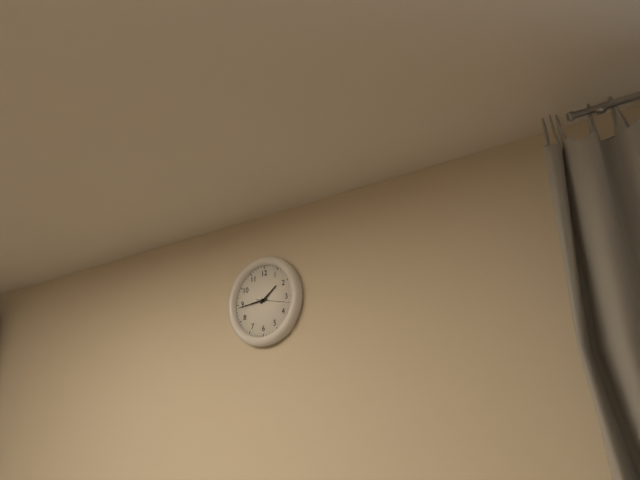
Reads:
{"hour": 1, "minute": 44}
